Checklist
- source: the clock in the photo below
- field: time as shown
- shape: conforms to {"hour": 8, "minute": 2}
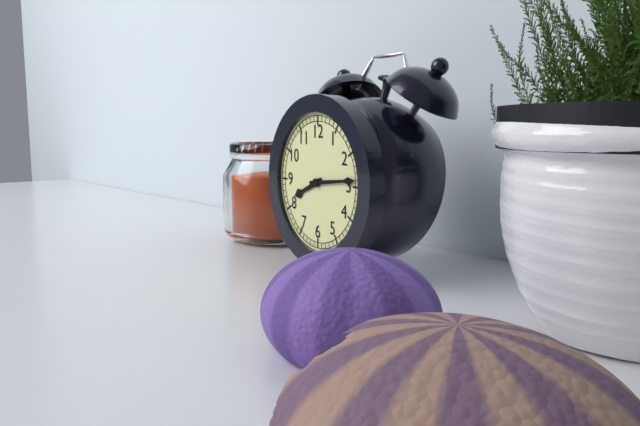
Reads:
{"hour": 8, "minute": 14}
